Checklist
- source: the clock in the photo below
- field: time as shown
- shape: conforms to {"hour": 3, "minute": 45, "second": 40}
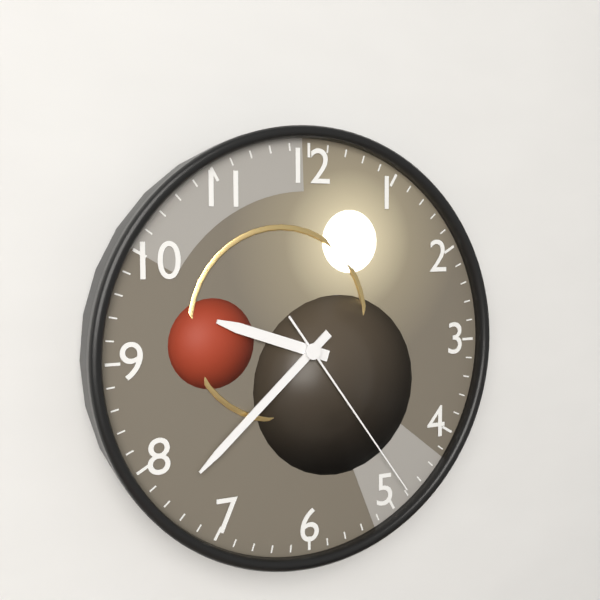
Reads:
{"hour": 9, "minute": 38, "second": 24}
